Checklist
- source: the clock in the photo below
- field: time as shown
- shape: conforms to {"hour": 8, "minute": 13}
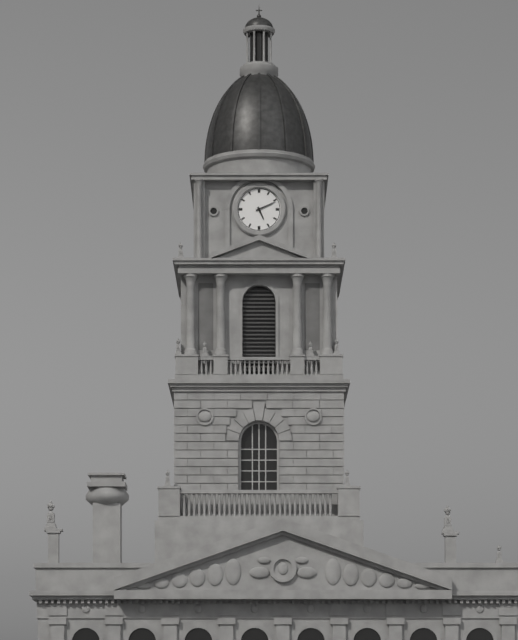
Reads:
{"hour": 5, "minute": 11}
